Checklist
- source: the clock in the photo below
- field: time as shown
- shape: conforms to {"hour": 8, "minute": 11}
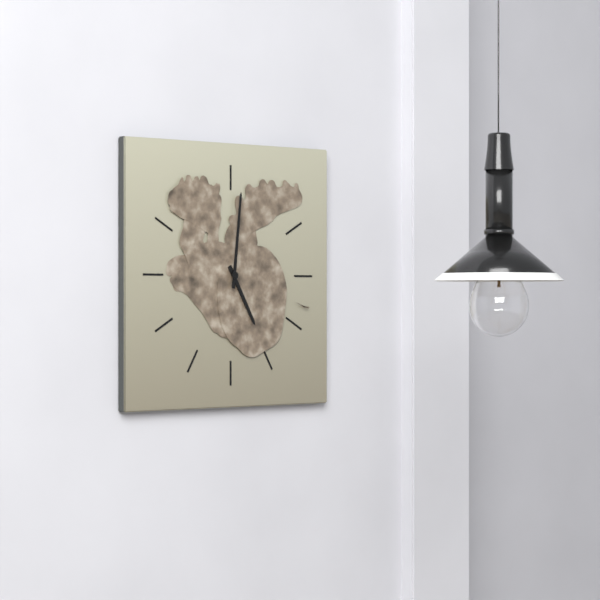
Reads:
{"hour": 5, "minute": 1}
